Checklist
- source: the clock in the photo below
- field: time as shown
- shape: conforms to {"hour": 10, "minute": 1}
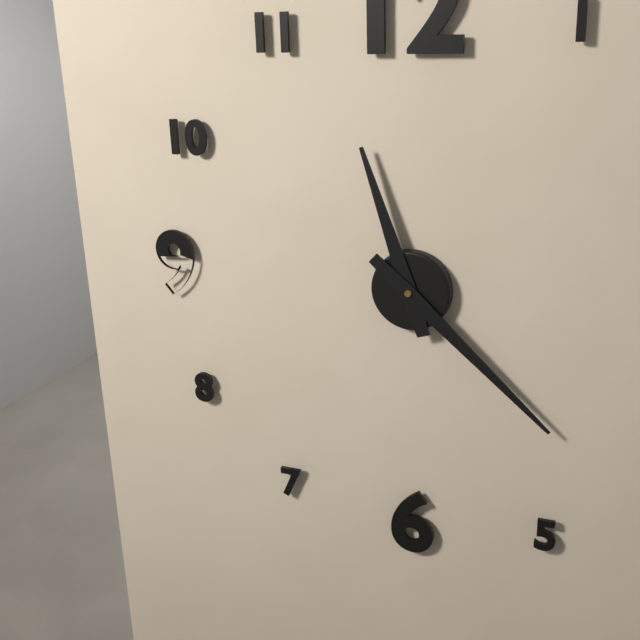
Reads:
{"hour": 11, "minute": 22}
